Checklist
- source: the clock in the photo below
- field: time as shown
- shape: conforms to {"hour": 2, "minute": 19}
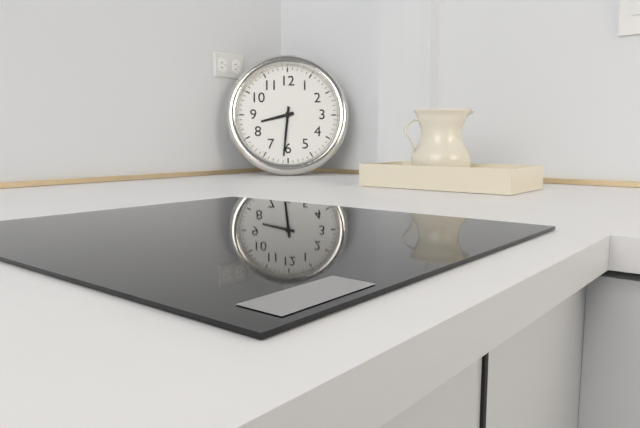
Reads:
{"hour": 8, "minute": 31}
